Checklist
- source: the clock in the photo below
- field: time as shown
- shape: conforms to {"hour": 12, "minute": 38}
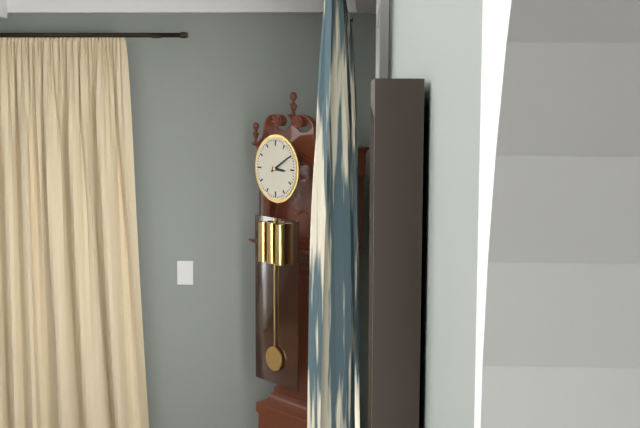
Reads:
{"hour": 3, "minute": 10}
